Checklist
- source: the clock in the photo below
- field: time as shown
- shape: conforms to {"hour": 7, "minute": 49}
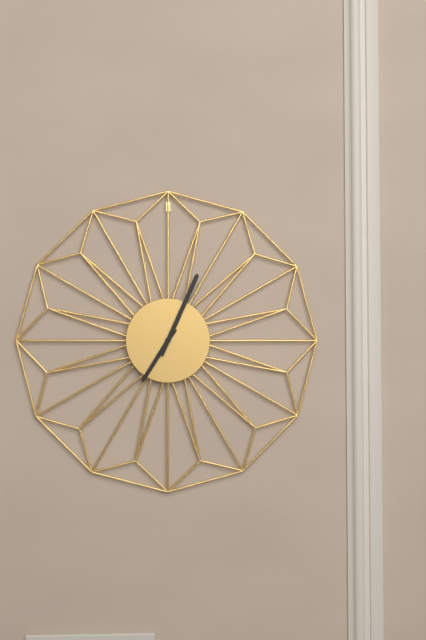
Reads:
{"hour": 7, "minute": 4}
